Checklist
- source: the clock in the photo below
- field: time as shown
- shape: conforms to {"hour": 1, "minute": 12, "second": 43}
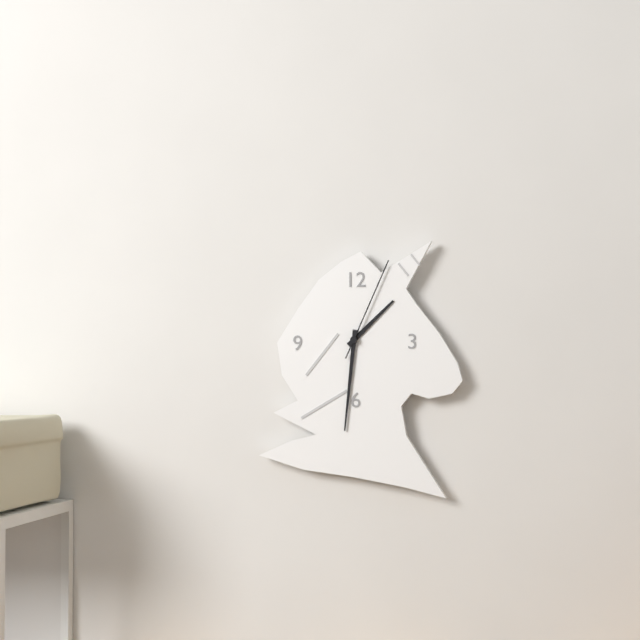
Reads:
{"hour": 1, "minute": 31, "second": 4}
